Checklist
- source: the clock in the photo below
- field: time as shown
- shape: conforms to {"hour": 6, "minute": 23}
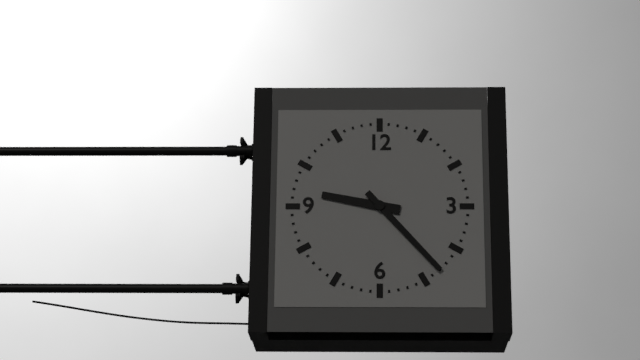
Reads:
{"hour": 9, "minute": 23}
